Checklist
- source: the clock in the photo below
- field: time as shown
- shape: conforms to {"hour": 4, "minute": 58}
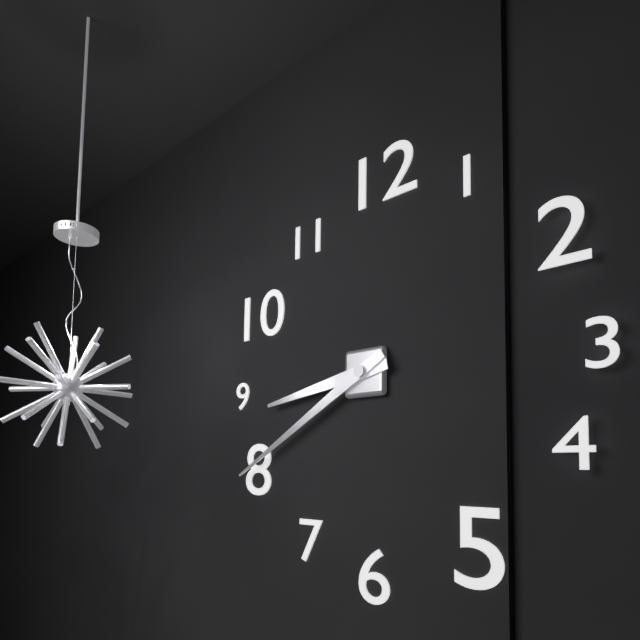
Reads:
{"hour": 8, "minute": 40}
